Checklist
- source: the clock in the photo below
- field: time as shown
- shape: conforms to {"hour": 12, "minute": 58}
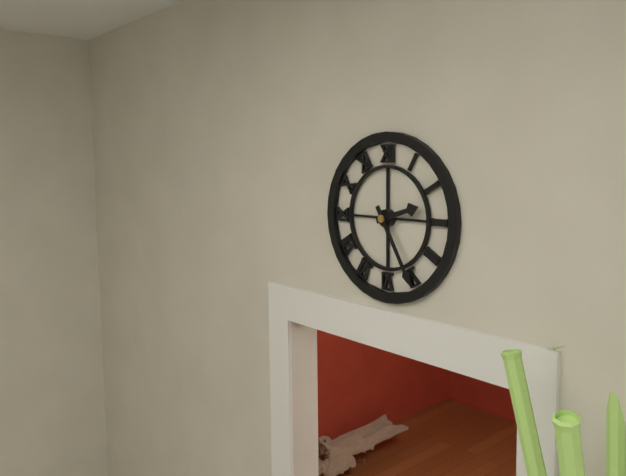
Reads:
{"hour": 2, "minute": 25}
